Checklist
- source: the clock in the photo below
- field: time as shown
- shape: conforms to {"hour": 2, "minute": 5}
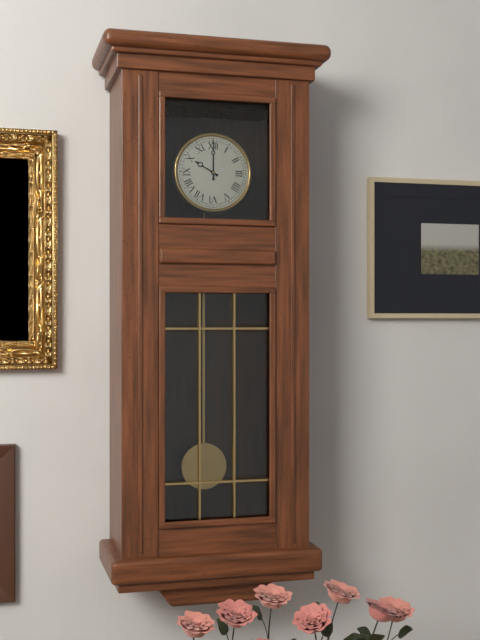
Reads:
{"hour": 10, "minute": 0}
